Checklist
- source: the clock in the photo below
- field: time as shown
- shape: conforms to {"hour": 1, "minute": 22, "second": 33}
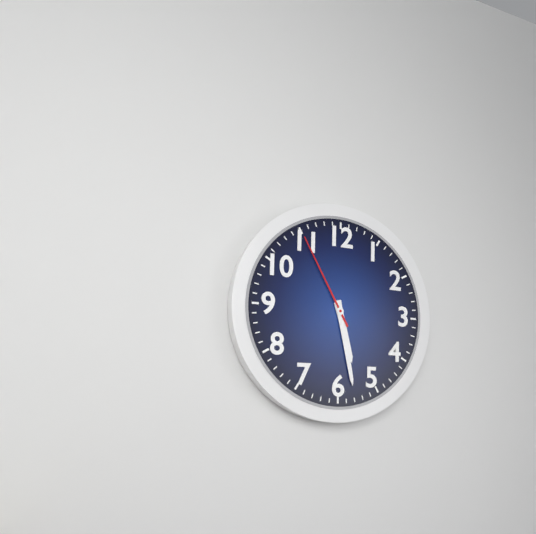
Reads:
{"hour": 5, "minute": 28, "second": 55}
